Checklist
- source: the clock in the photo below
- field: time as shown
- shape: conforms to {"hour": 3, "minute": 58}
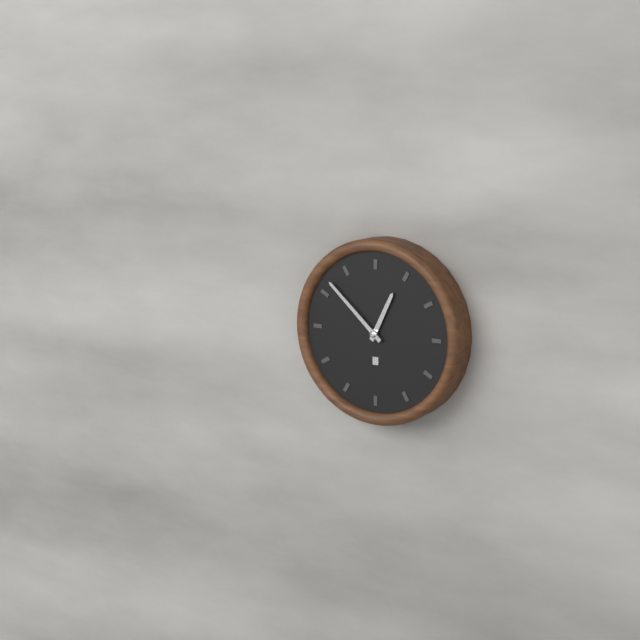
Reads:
{"hour": 12, "minute": 52}
